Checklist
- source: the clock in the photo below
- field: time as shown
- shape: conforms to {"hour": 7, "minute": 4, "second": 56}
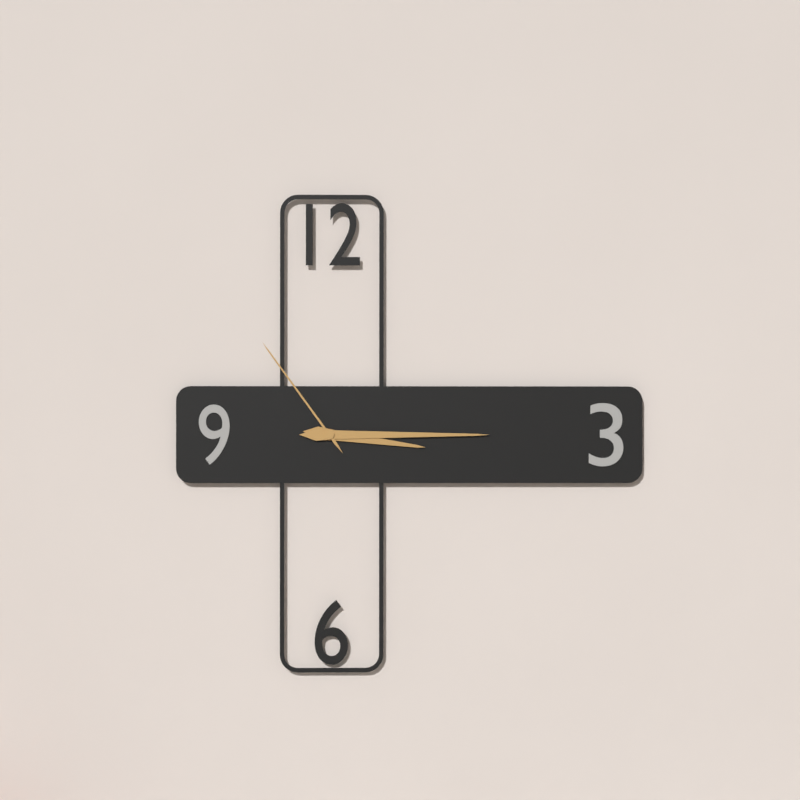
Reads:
{"hour": 3, "minute": 15, "second": 54}
